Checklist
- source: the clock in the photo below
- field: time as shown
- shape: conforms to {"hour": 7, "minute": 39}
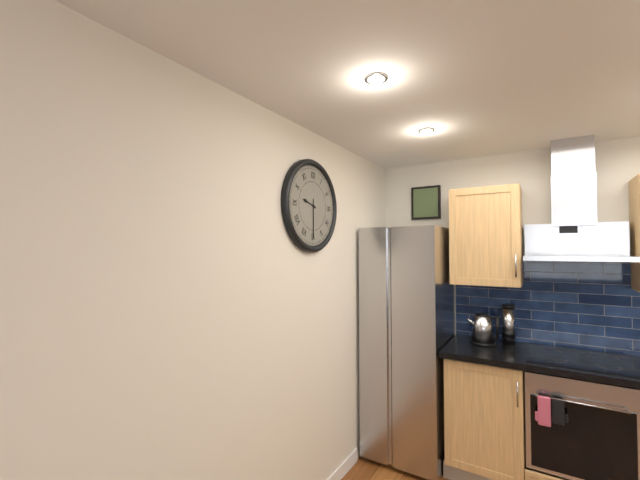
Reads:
{"hour": 9, "minute": 30}
